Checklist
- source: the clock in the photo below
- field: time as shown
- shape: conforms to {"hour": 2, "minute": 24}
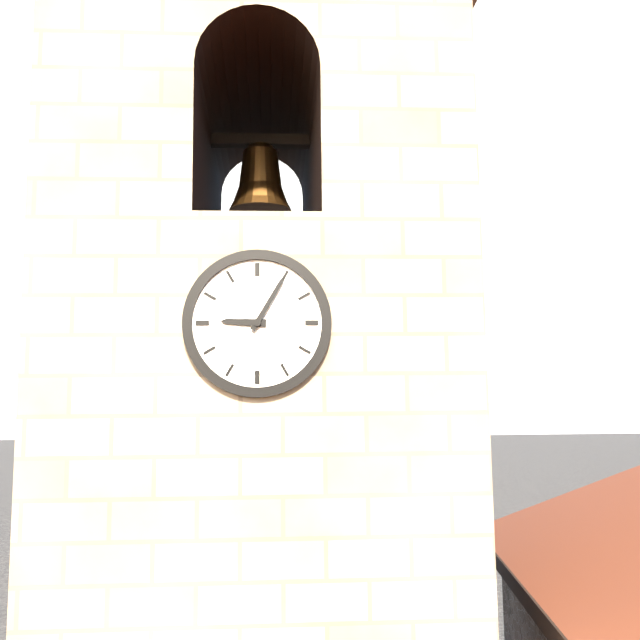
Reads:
{"hour": 9, "minute": 5}
